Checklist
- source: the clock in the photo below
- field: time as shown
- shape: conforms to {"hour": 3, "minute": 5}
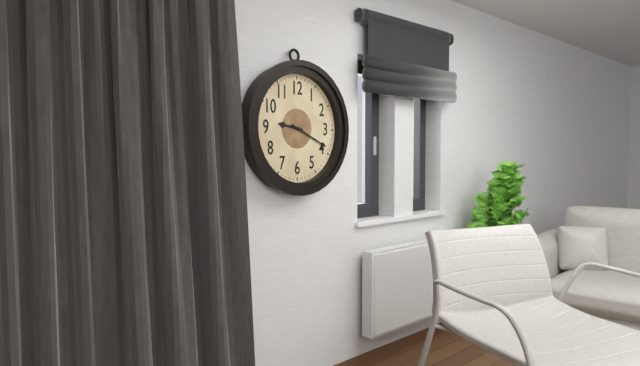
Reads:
{"hour": 9, "minute": 19}
